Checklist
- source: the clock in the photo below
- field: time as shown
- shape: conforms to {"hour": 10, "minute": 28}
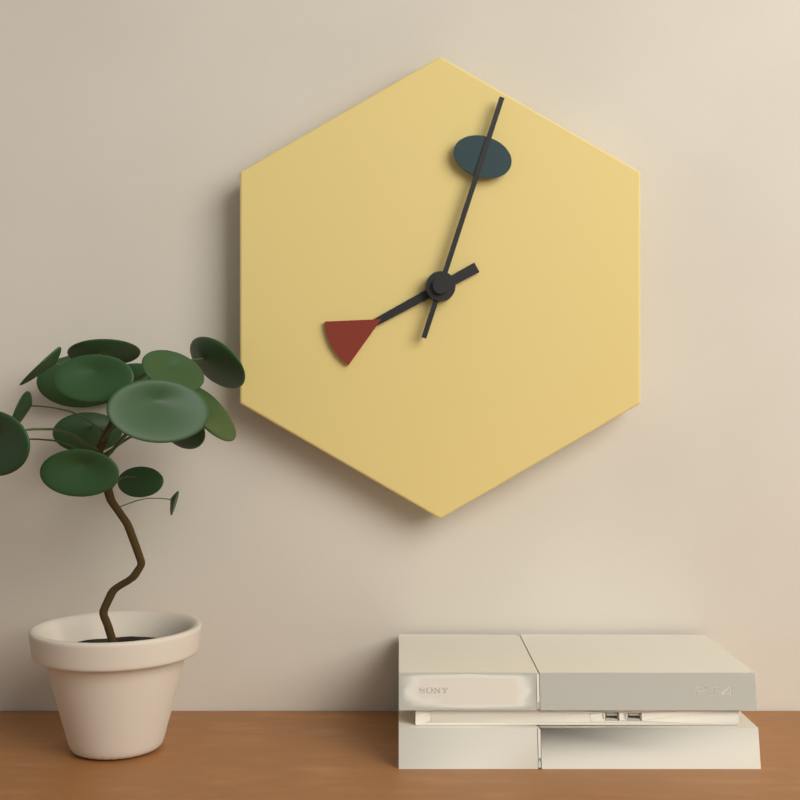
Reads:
{"hour": 8, "minute": 3}
